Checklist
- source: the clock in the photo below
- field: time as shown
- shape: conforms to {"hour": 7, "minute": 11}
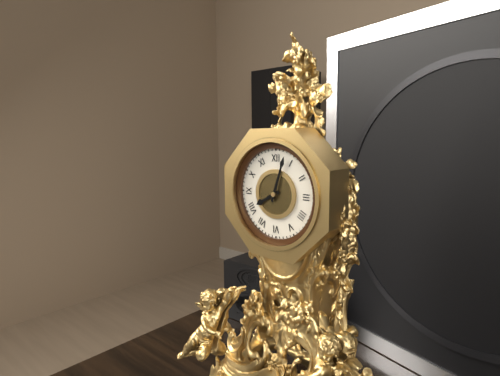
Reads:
{"hour": 8, "minute": 3}
